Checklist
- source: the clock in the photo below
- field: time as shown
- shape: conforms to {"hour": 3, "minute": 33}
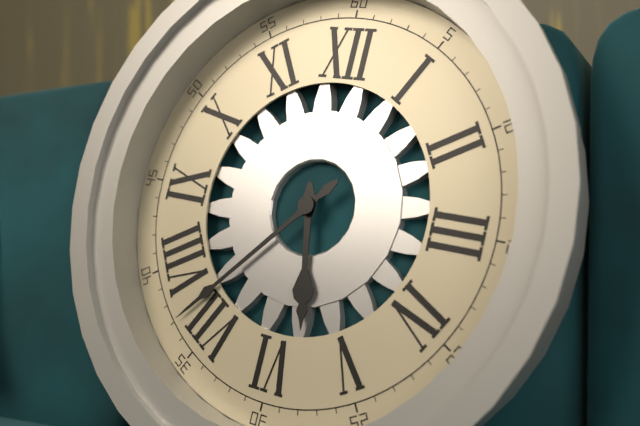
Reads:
{"hour": 5, "minute": 37}
